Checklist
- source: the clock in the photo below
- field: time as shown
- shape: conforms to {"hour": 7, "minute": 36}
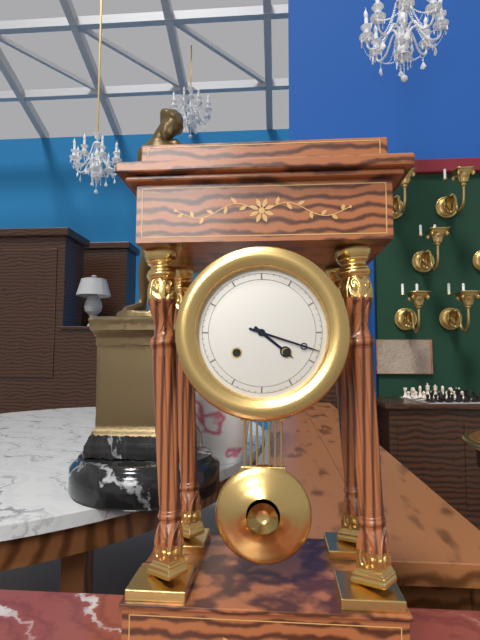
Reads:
{"hour": 4, "minute": 18}
